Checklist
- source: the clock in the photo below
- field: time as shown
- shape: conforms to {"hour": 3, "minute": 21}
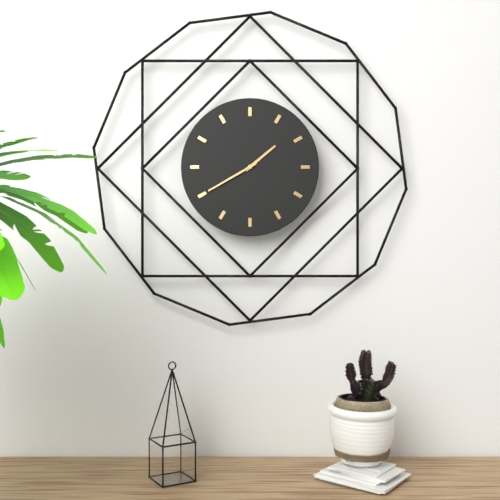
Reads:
{"hour": 1, "minute": 40}
